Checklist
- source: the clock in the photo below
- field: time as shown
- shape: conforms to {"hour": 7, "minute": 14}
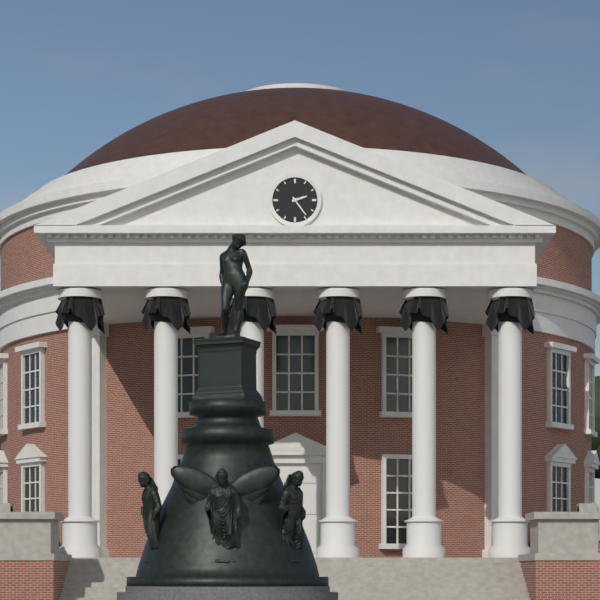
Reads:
{"hour": 2, "minute": 24}
